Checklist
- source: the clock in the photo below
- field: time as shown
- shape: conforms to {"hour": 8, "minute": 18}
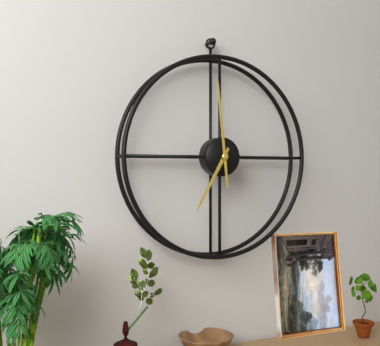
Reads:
{"hour": 6, "minute": 59}
